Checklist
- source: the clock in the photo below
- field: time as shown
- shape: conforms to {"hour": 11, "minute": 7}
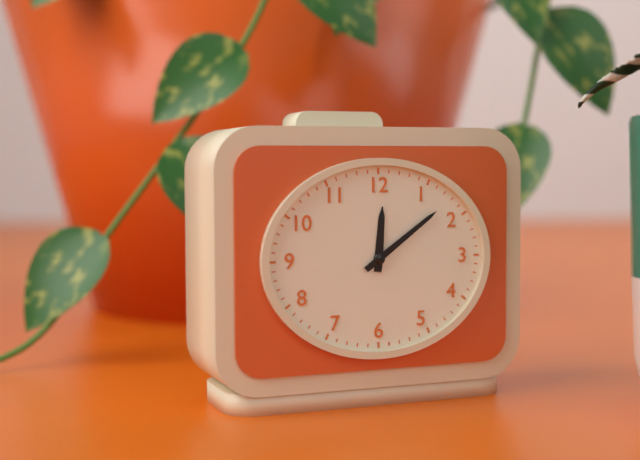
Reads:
{"hour": 12, "minute": 9}
